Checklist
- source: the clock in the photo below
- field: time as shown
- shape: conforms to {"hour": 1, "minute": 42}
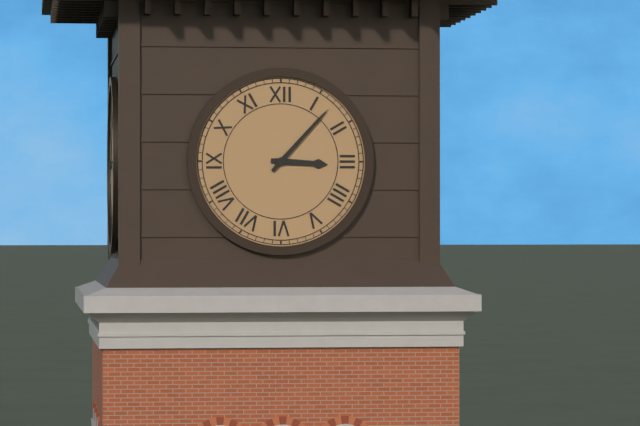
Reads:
{"hour": 3, "minute": 7}
